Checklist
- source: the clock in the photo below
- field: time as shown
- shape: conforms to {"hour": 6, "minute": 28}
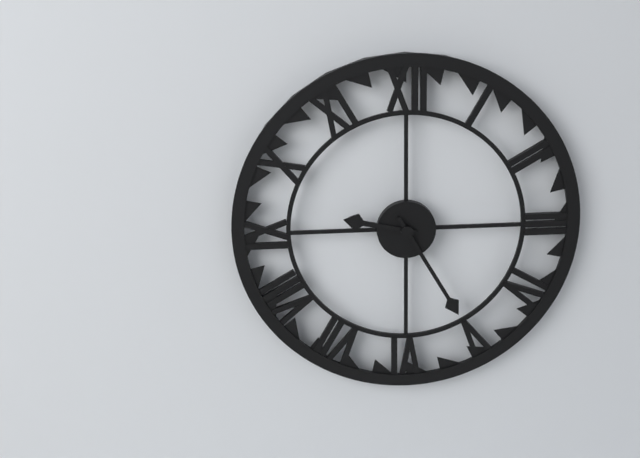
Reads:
{"hour": 9, "minute": 25}
